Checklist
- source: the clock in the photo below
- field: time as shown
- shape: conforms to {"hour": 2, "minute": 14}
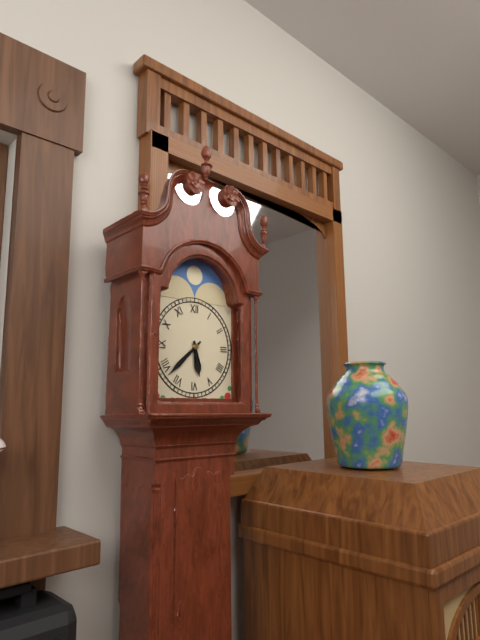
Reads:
{"hour": 5, "minute": 38}
